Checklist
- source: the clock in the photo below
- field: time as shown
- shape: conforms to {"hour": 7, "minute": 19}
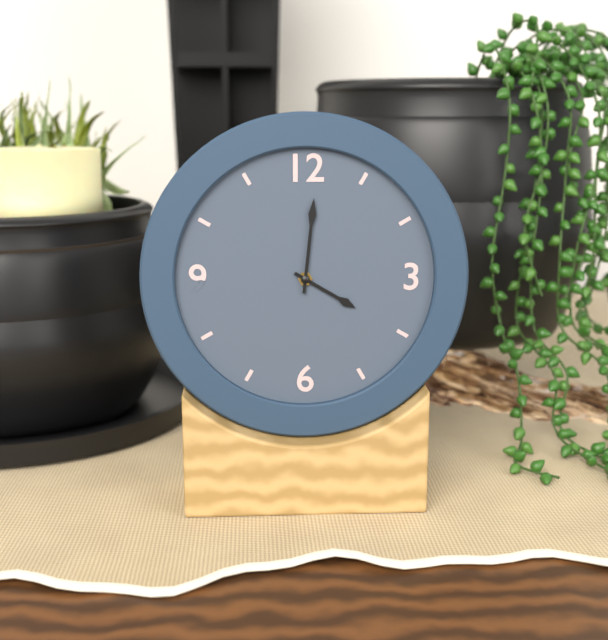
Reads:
{"hour": 4, "minute": 1}
